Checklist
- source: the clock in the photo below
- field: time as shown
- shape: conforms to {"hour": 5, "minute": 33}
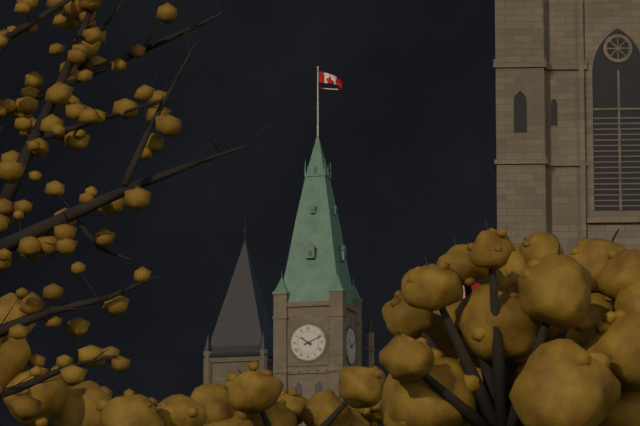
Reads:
{"hour": 10, "minute": 11}
